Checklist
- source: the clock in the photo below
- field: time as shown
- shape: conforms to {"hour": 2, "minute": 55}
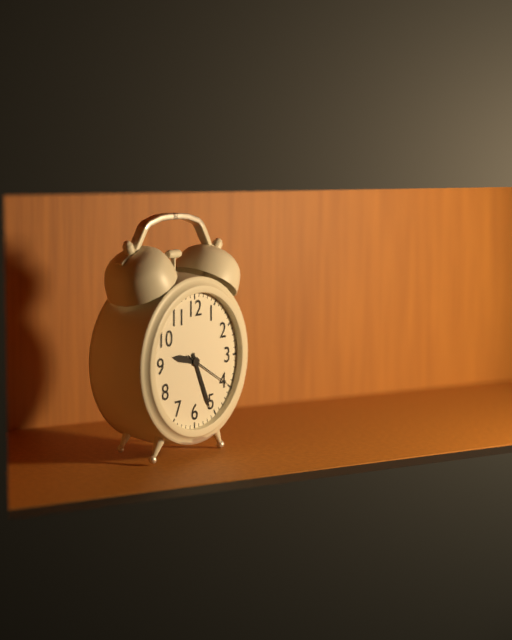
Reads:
{"hour": 9, "minute": 26}
